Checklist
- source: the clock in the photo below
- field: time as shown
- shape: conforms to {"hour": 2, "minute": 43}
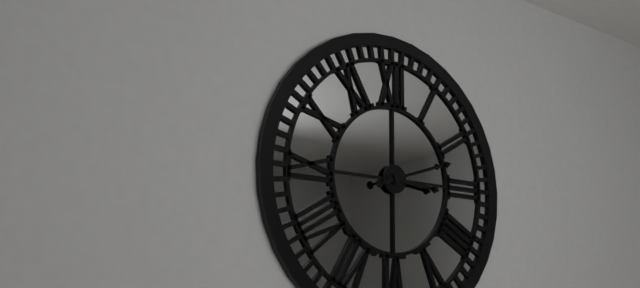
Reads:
{"hour": 3, "minute": 12}
